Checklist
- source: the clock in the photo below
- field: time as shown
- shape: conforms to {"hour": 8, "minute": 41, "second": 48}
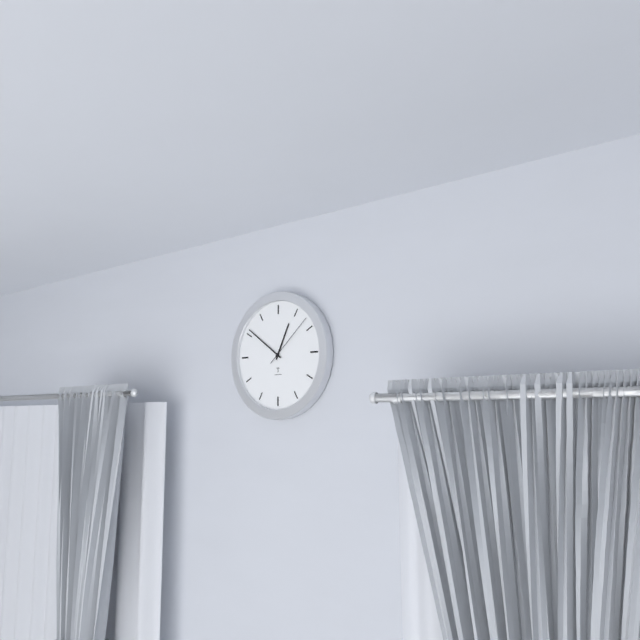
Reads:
{"hour": 12, "minute": 51, "second": 8}
